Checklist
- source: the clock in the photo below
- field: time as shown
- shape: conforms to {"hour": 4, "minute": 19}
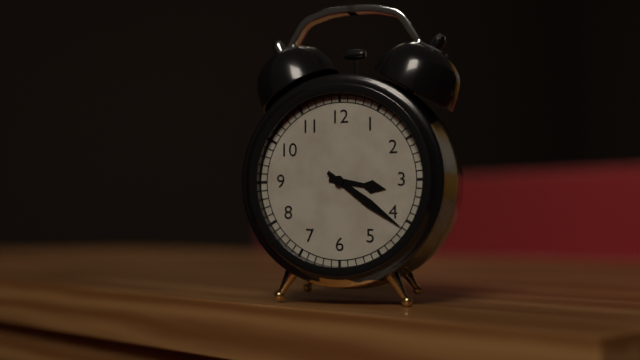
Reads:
{"hour": 3, "minute": 21}
